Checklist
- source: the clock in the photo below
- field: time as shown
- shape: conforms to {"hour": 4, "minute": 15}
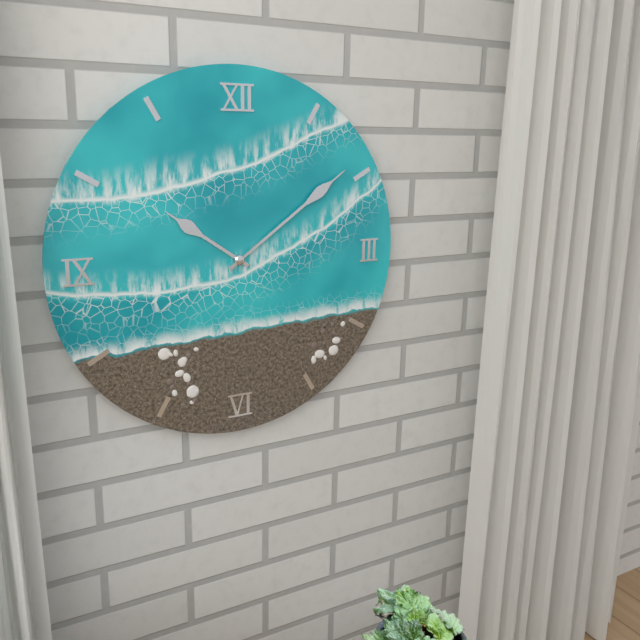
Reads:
{"hour": 10, "minute": 9}
